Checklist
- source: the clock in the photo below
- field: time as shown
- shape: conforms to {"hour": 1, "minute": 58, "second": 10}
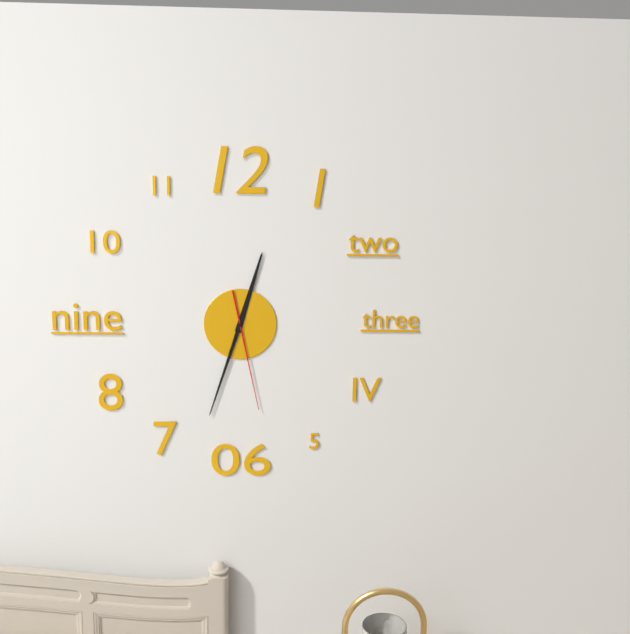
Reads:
{"hour": 12, "minute": 33, "second": 28}
